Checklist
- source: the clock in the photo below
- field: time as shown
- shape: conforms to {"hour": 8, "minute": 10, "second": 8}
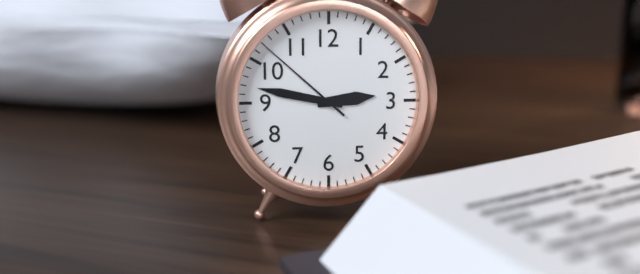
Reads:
{"hour": 2, "minute": 47, "second": 52}
